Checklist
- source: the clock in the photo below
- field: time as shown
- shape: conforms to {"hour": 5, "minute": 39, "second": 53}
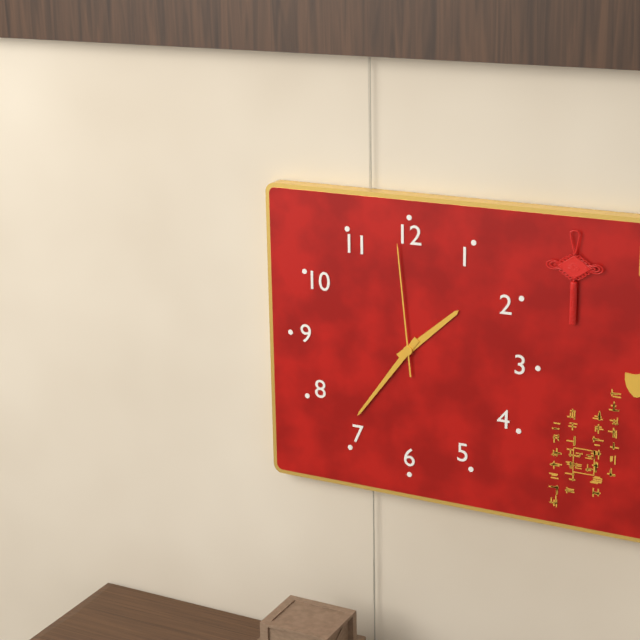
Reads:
{"hour": 1, "minute": 36, "second": 59}
